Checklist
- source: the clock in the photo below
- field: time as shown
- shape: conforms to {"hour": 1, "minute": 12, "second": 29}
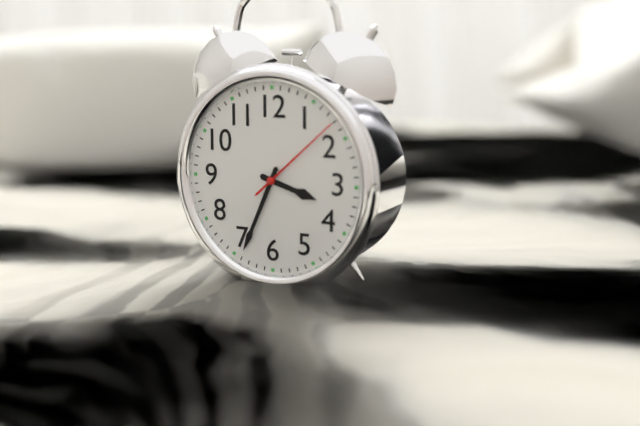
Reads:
{"hour": 3, "minute": 34, "second": 8}
